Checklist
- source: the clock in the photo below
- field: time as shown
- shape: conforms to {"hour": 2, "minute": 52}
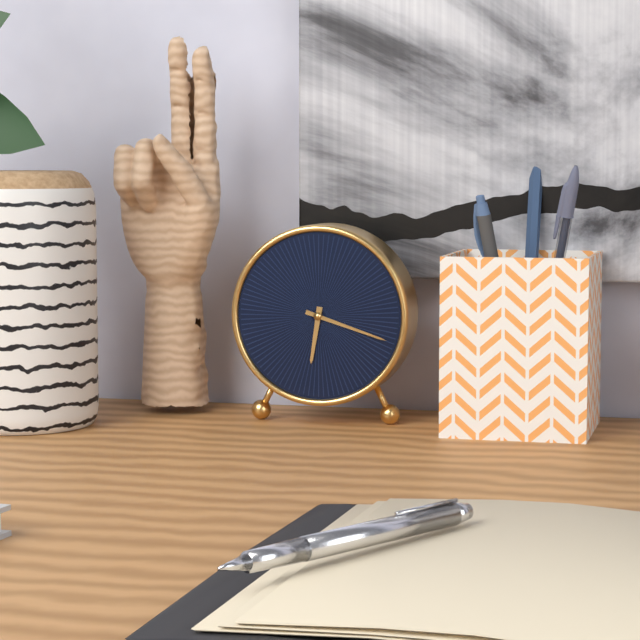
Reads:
{"hour": 6, "minute": 18}
